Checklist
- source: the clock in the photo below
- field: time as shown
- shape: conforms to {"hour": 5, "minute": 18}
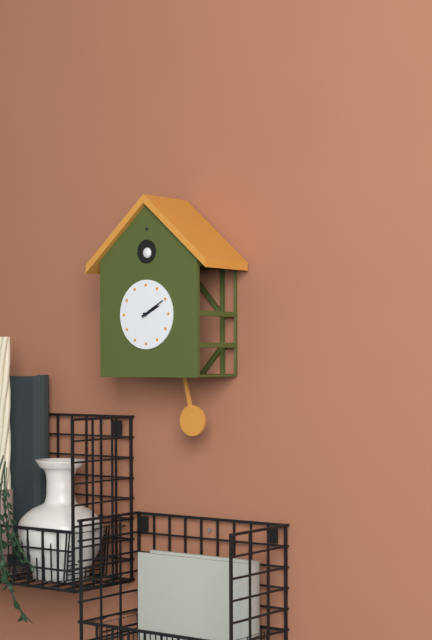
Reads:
{"hour": 2, "minute": 10}
